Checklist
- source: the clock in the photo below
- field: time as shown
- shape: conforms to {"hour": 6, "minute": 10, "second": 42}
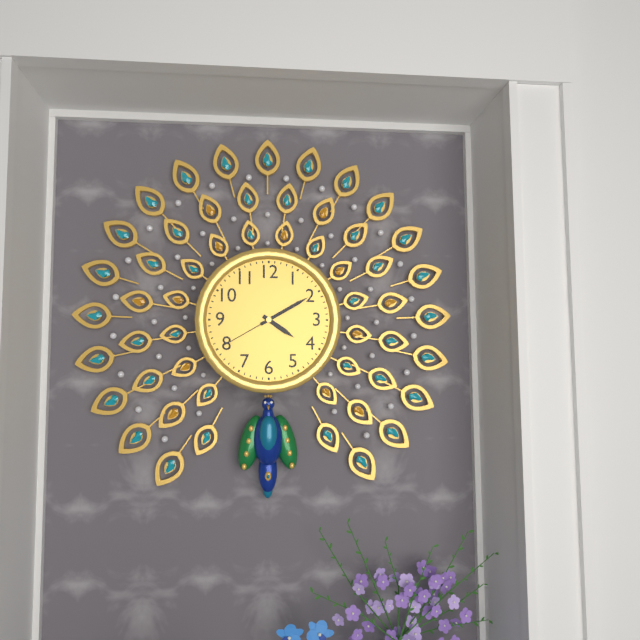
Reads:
{"hour": 4, "minute": 10, "second": 40}
